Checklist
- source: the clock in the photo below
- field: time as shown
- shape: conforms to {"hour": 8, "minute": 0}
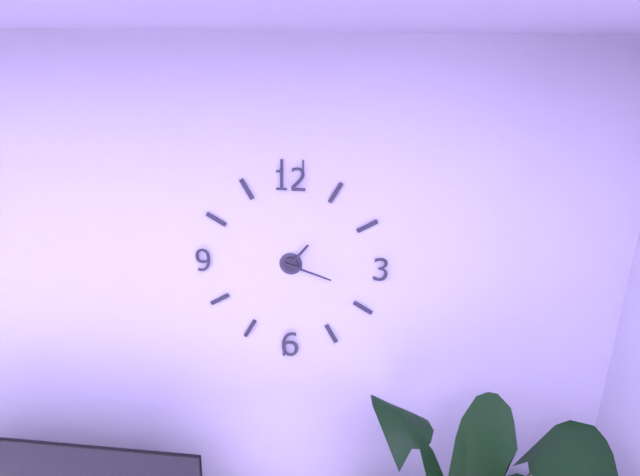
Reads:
{"hour": 1, "minute": 18}
